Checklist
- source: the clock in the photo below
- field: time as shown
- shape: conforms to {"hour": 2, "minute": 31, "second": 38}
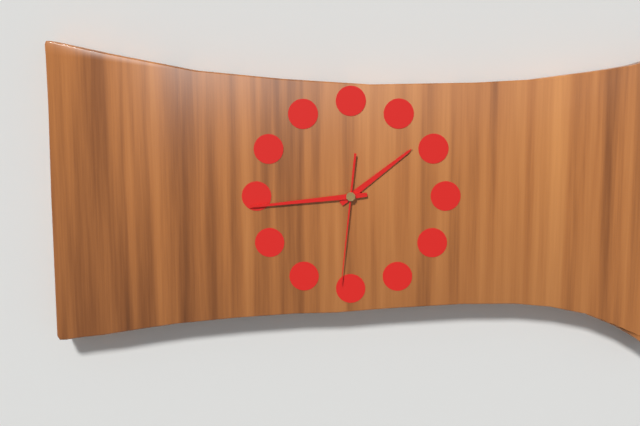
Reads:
{"hour": 1, "minute": 44, "second": 31}
